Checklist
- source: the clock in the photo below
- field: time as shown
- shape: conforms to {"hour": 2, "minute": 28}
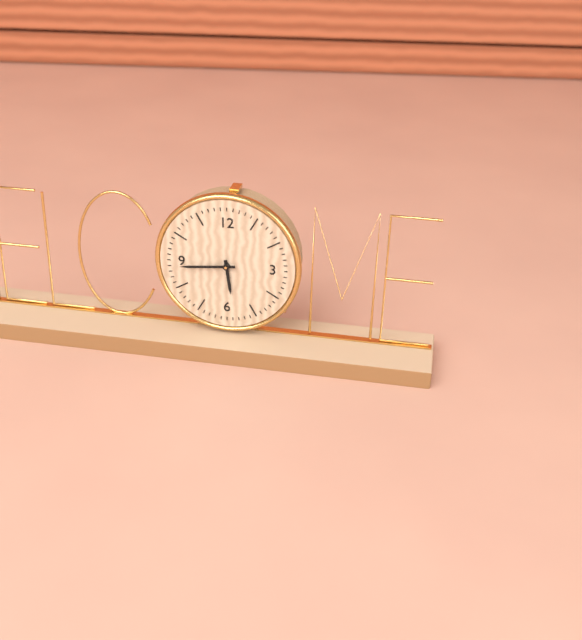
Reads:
{"hour": 5, "minute": 44}
